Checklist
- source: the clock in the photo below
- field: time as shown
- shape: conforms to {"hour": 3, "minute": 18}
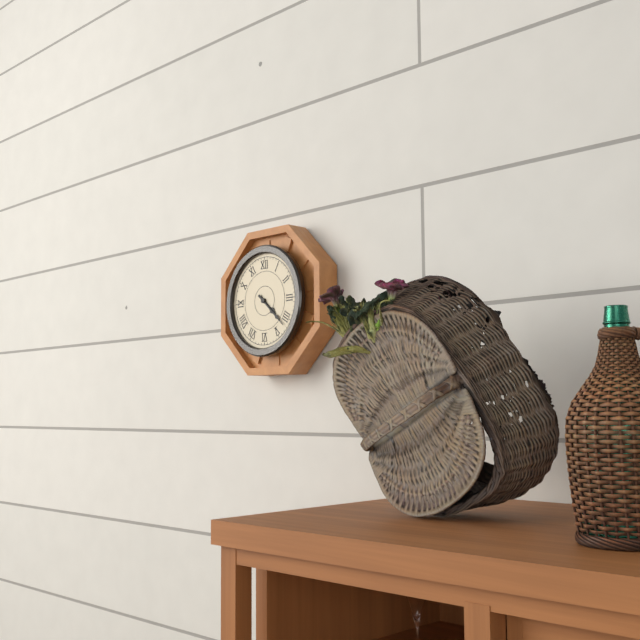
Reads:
{"hour": 4, "minute": 22}
